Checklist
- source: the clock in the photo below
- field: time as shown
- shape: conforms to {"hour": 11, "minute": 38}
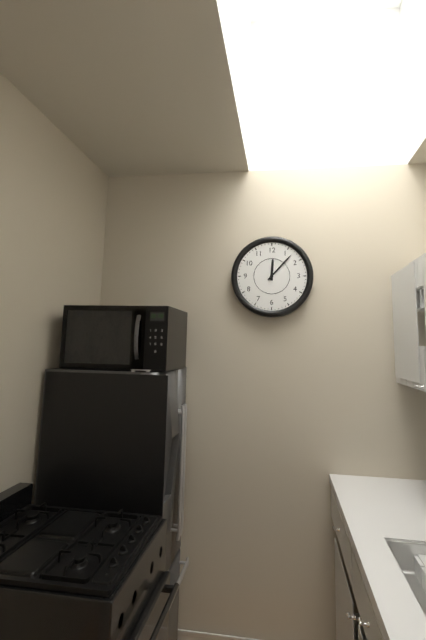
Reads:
{"hour": 12, "minute": 7}
